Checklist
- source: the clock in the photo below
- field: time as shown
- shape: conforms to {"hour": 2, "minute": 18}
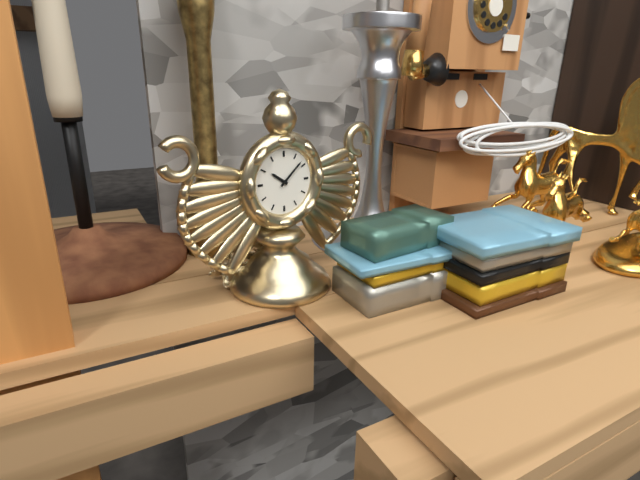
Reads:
{"hour": 10, "minute": 8}
